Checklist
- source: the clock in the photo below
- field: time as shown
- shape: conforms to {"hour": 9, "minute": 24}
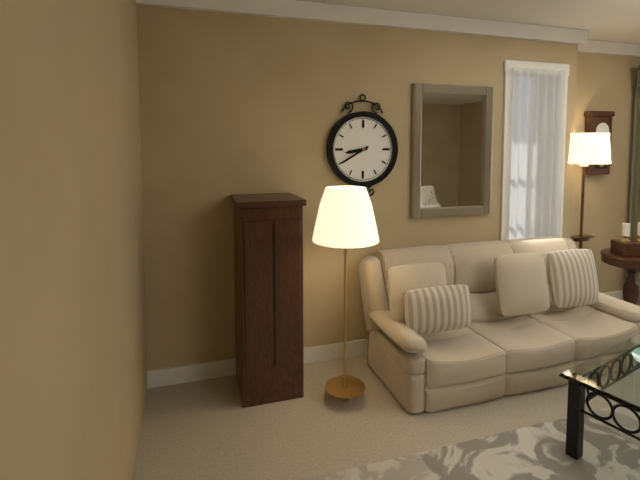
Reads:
{"hour": 8, "minute": 40}
